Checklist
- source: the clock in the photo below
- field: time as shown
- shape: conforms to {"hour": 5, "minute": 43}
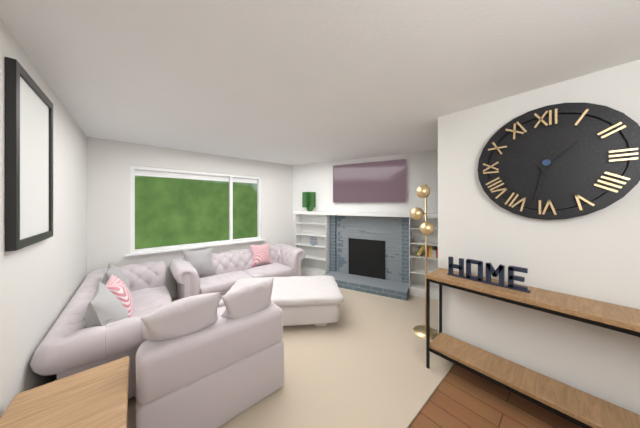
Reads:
{"hour": 1, "minute": 32}
